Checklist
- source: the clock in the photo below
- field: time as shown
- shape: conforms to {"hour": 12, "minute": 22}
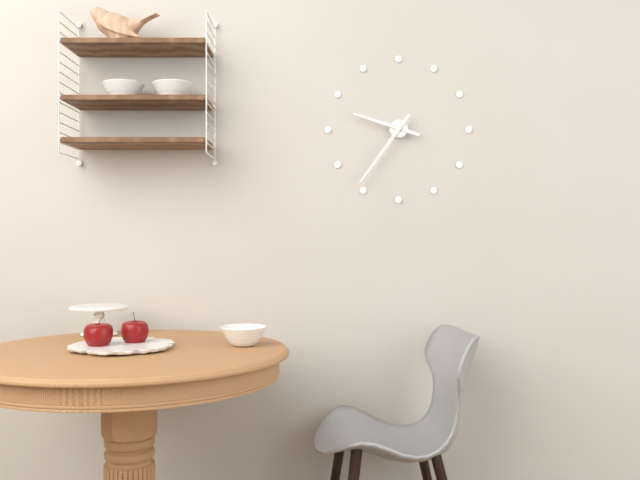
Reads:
{"hour": 9, "minute": 36}
